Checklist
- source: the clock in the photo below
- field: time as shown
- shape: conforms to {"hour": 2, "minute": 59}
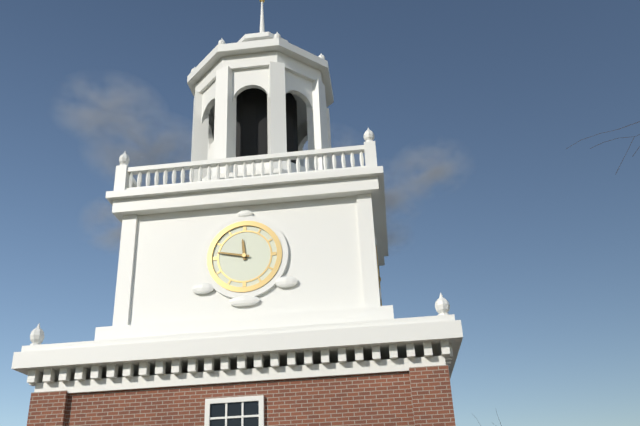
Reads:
{"hour": 11, "minute": 47}
